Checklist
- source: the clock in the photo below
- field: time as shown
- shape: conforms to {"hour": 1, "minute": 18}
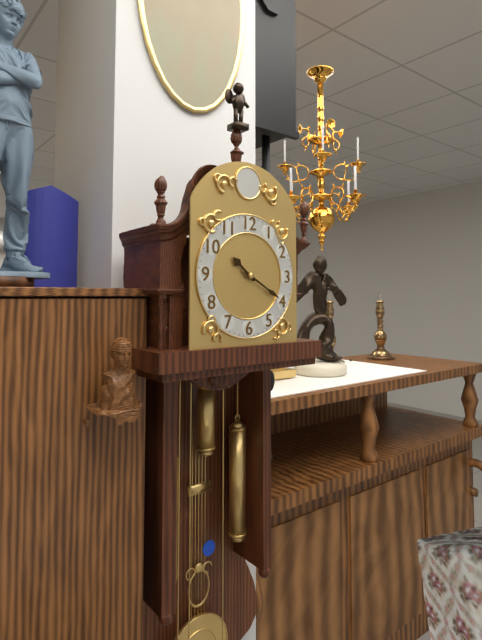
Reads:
{"hour": 10, "minute": 20}
